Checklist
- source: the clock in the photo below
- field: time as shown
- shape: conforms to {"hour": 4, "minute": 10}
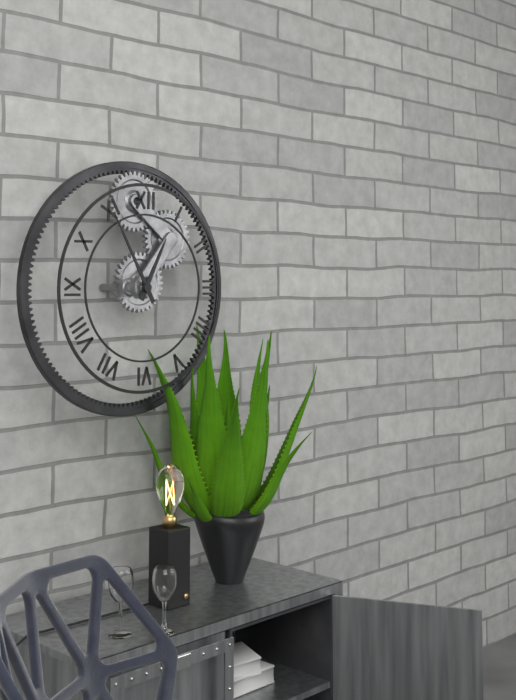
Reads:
{"hour": 12, "minute": 55}
